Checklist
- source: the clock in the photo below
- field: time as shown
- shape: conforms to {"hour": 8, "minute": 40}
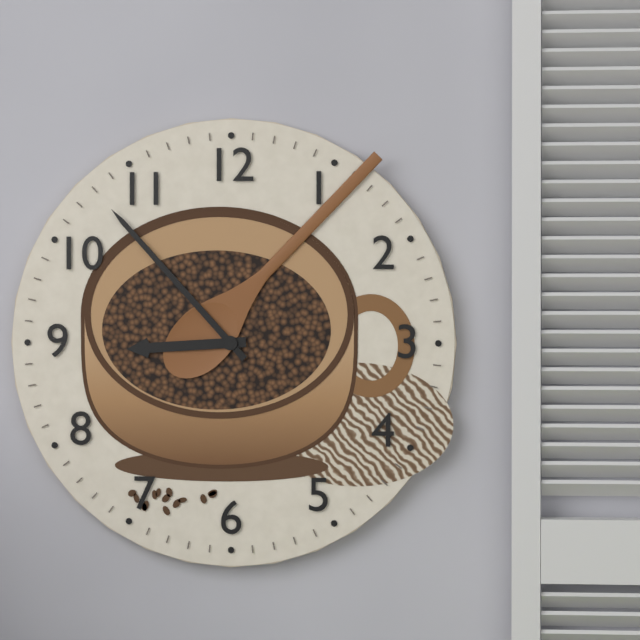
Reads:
{"hour": 8, "minute": 53}
